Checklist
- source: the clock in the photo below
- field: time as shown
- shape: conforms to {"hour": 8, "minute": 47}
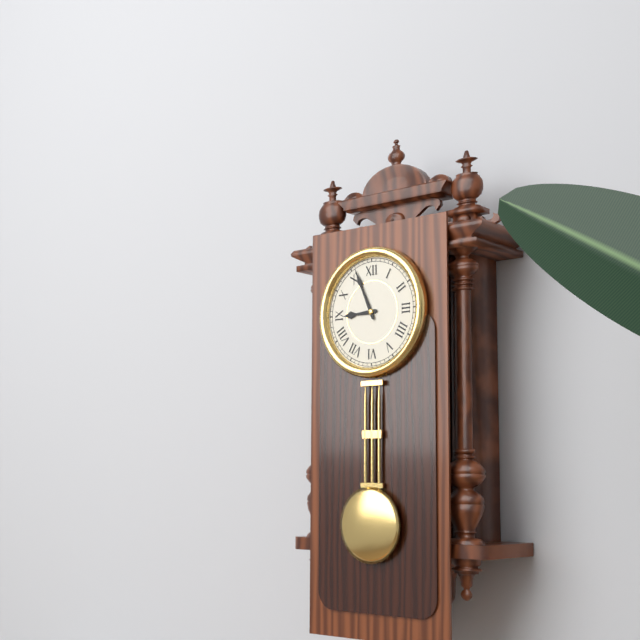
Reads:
{"hour": 8, "minute": 56}
